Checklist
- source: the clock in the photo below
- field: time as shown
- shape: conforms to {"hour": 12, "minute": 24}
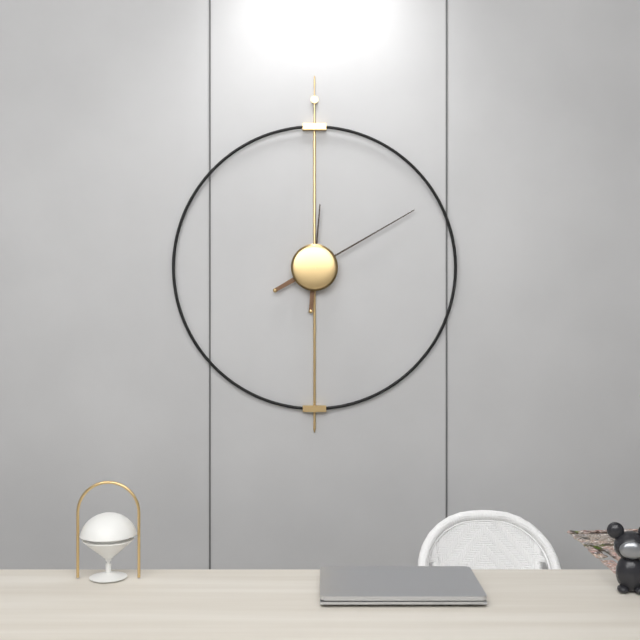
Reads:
{"hour": 12, "minute": 10}
